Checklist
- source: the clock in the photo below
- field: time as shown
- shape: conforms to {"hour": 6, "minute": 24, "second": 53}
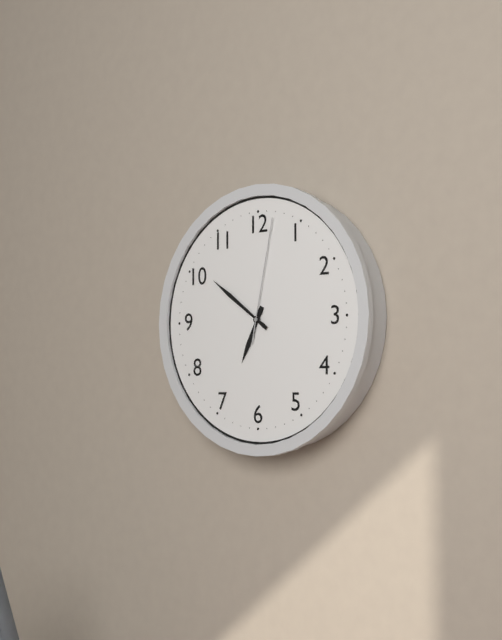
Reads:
{"hour": 6, "minute": 51, "second": 2}
